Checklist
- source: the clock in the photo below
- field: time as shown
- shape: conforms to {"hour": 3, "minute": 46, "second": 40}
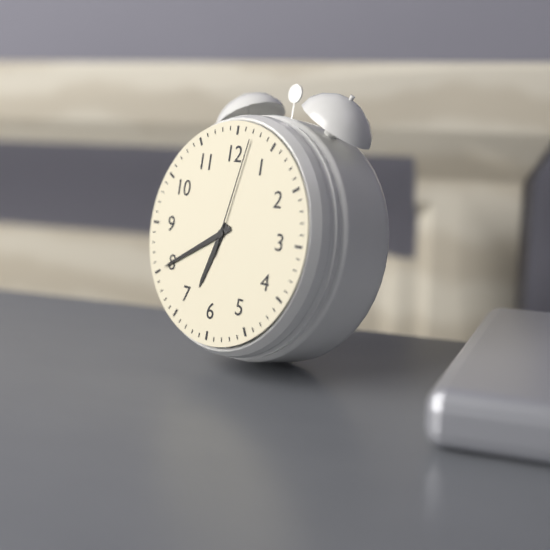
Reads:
{"hour": 6, "minute": 40, "second": 2}
